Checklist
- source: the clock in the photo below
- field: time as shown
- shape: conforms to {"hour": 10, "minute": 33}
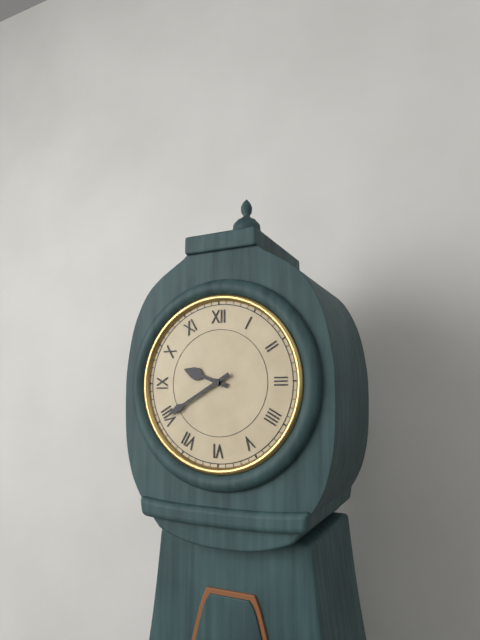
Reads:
{"hour": 9, "minute": 40}
